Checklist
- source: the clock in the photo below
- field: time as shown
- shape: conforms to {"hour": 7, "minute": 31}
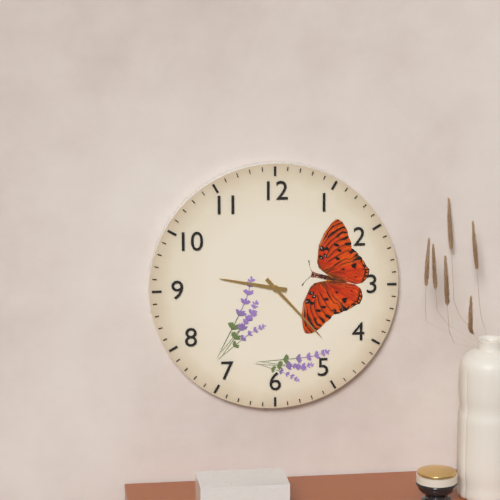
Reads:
{"hour": 9, "minute": 23}
